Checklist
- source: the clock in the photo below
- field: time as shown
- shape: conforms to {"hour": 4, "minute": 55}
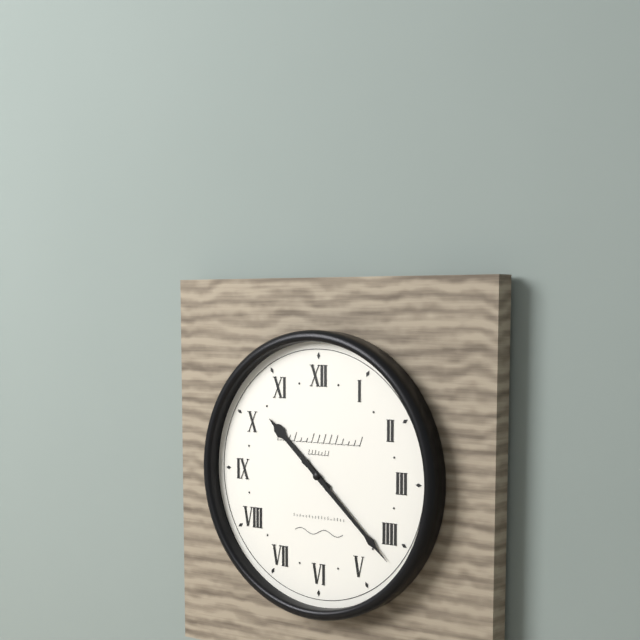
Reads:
{"hour": 10, "minute": 22}
